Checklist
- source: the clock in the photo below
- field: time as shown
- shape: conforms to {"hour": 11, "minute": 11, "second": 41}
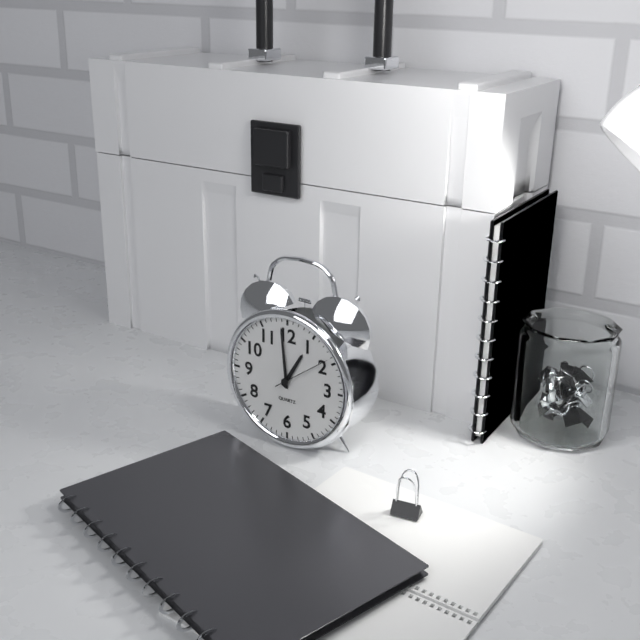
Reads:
{"hour": 12, "minute": 59, "second": 9}
